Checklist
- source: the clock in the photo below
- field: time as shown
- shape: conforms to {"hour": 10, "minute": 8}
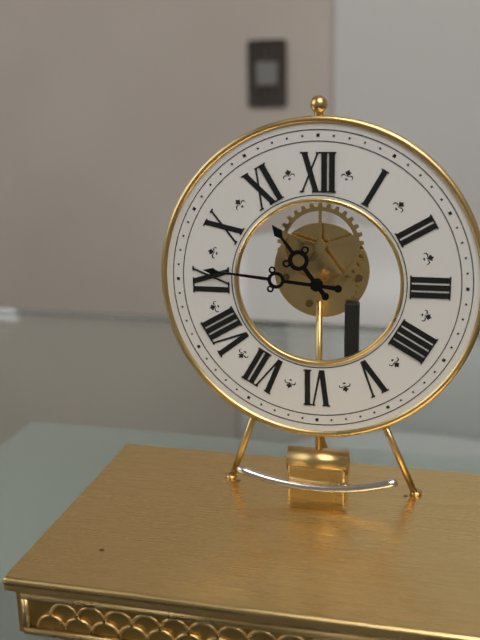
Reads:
{"hour": 10, "minute": 46}
